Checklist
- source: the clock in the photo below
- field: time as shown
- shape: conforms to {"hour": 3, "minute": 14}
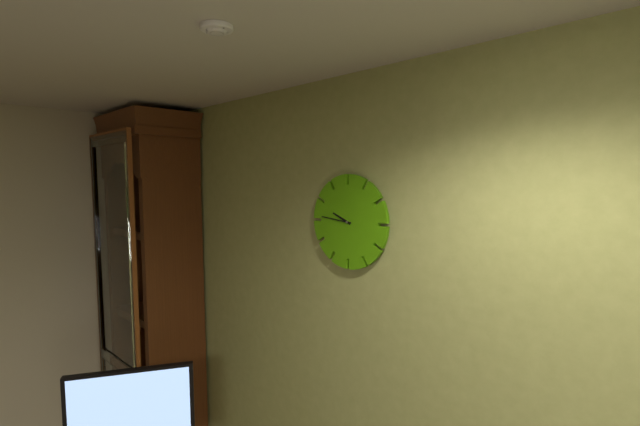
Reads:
{"hour": 9, "minute": 46}
